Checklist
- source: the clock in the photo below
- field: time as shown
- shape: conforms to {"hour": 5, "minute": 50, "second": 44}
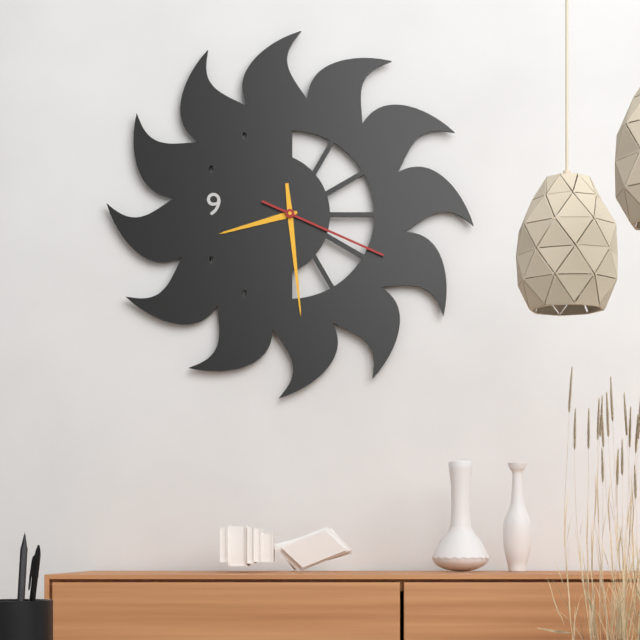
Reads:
{"hour": 8, "minute": 29, "second": 19}
